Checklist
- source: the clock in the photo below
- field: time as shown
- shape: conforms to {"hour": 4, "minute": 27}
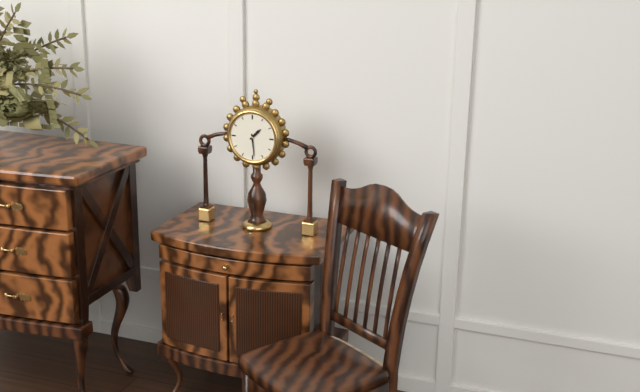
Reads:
{"hour": 1, "minute": 29}
